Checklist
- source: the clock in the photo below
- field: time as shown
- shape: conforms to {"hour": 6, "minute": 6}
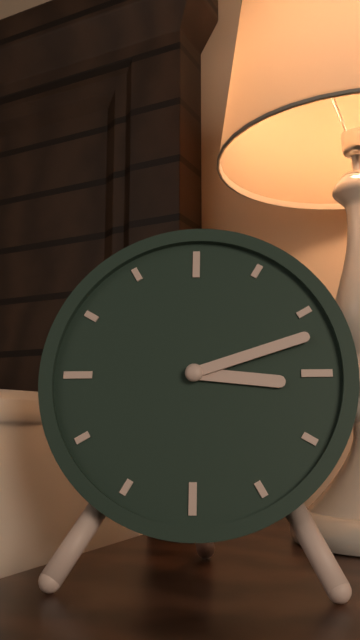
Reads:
{"hour": 3, "minute": 12}
